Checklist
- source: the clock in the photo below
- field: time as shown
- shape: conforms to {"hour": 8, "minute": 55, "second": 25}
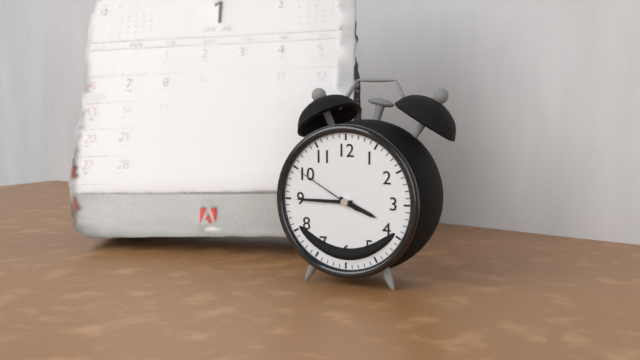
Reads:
{"hour": 3, "minute": 45, "second": 50}
